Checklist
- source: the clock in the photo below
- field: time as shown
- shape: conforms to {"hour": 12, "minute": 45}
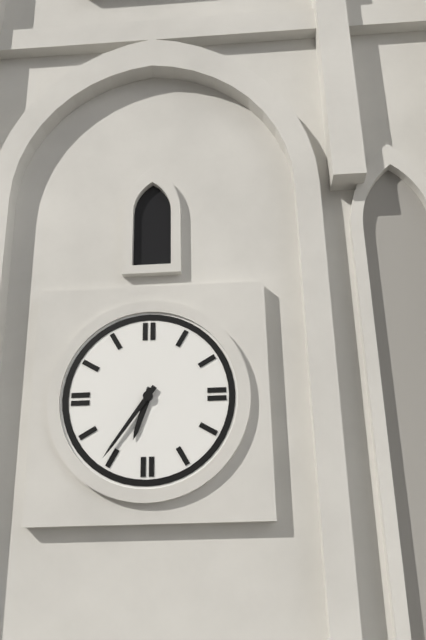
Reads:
{"hour": 6, "minute": 36}
